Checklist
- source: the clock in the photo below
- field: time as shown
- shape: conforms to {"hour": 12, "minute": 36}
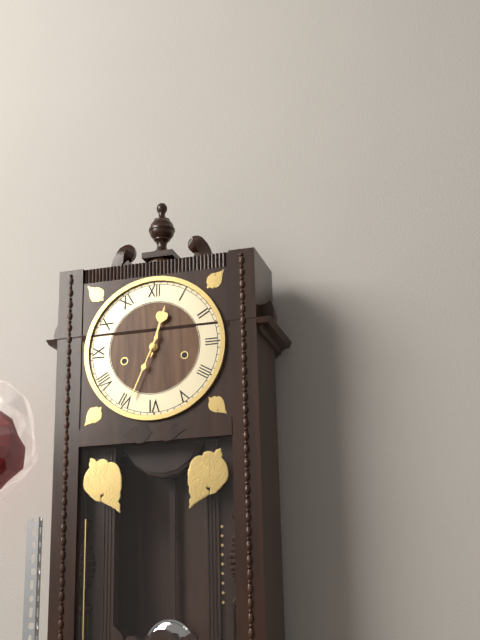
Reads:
{"hour": 12, "minute": 34}
